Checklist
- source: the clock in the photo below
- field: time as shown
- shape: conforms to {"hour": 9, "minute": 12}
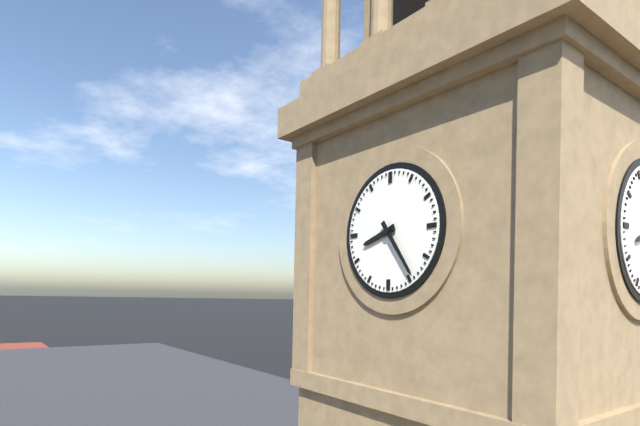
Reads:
{"hour": 8, "minute": 24}
